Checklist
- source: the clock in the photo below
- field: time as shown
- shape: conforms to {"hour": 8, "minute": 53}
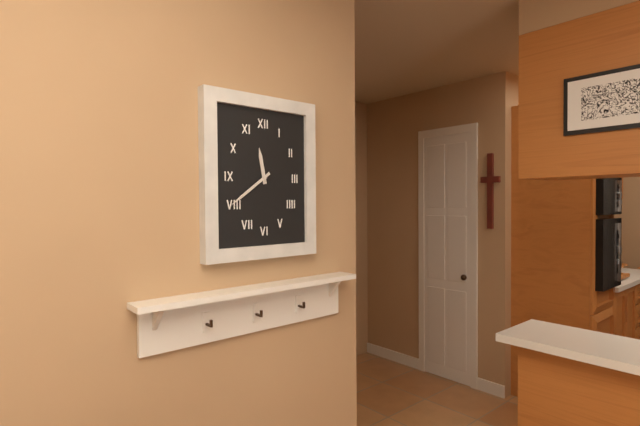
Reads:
{"hour": 11, "minute": 39}
